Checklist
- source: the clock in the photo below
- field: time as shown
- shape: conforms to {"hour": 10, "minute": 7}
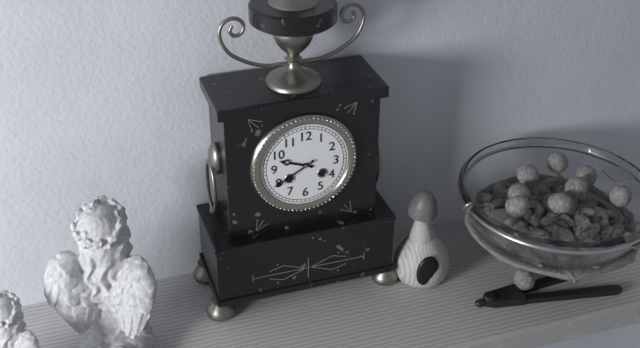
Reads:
{"hour": 9, "minute": 40}
